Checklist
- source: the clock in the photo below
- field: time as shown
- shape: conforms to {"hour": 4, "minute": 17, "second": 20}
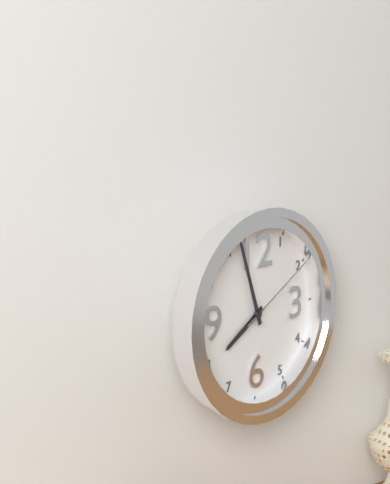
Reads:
{"hour": 7, "minute": 57, "second": 10}
